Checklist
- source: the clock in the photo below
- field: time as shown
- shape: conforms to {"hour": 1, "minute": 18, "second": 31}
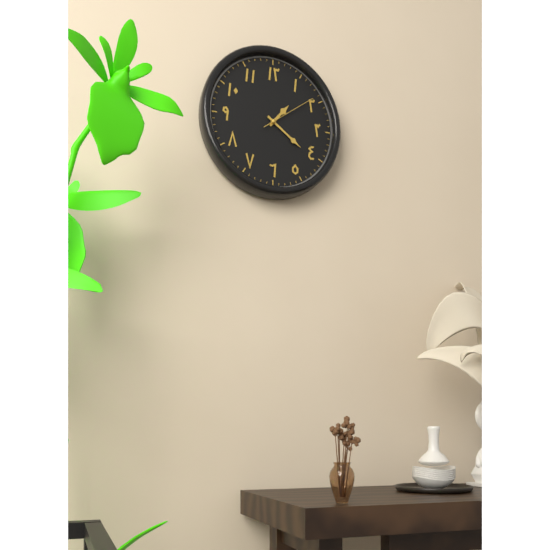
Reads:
{"hour": 1, "minute": 21, "second": 9}
